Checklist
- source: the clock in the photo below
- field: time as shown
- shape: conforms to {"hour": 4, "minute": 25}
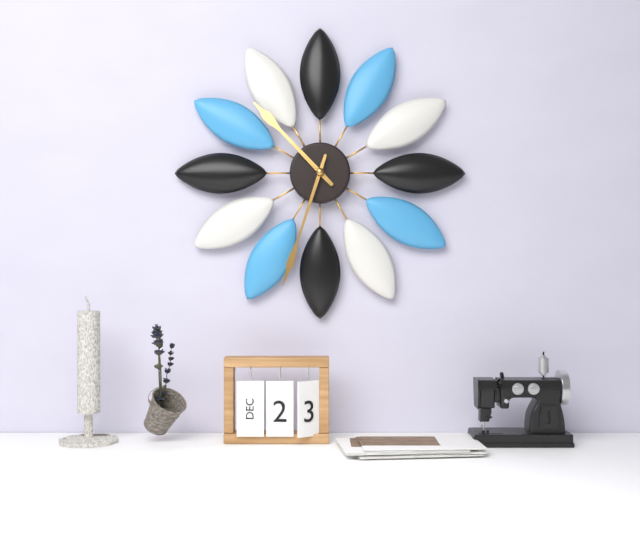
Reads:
{"hour": 10, "minute": 33}
